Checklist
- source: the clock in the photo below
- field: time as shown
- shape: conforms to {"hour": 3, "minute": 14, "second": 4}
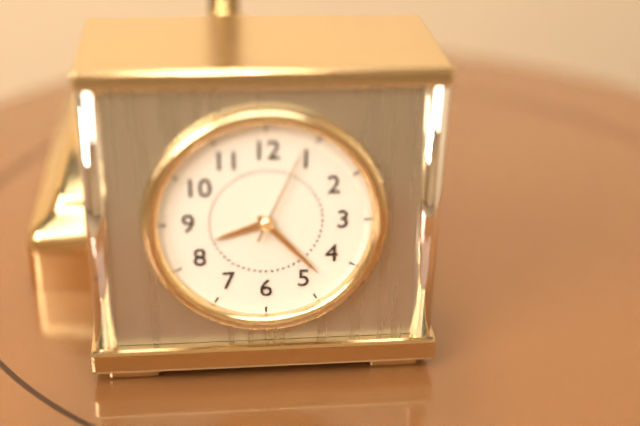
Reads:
{"hour": 8, "minute": 23, "second": 4}
